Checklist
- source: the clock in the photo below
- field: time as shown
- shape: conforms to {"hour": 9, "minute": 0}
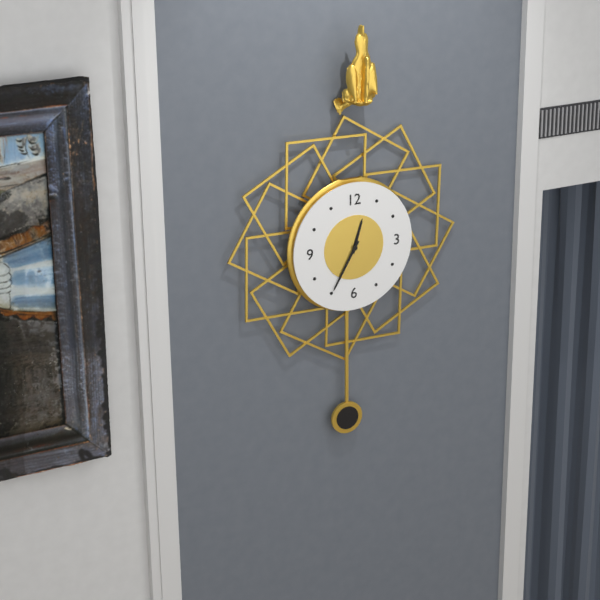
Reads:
{"hour": 12, "minute": 35}
